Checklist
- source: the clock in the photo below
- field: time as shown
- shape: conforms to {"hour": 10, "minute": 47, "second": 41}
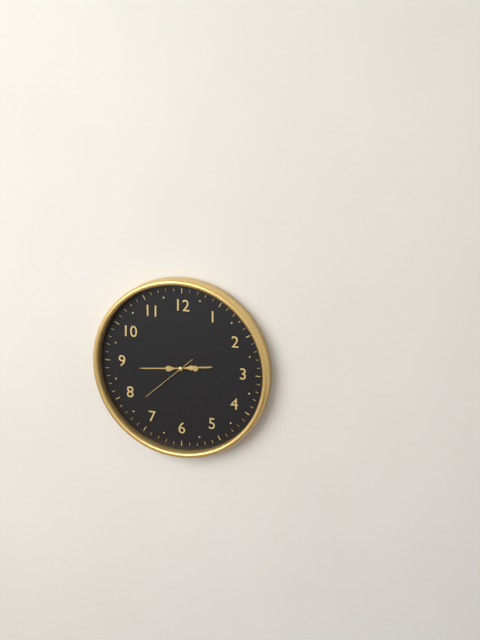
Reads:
{"hour": 2, "minute": 44, "second": 38}
